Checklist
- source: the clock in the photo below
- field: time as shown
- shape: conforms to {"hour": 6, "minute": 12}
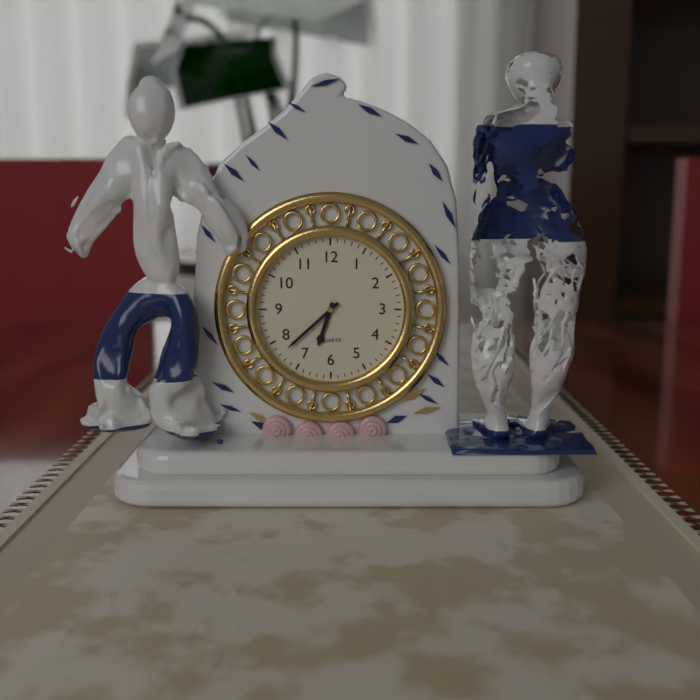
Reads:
{"hour": 6, "minute": 38}
